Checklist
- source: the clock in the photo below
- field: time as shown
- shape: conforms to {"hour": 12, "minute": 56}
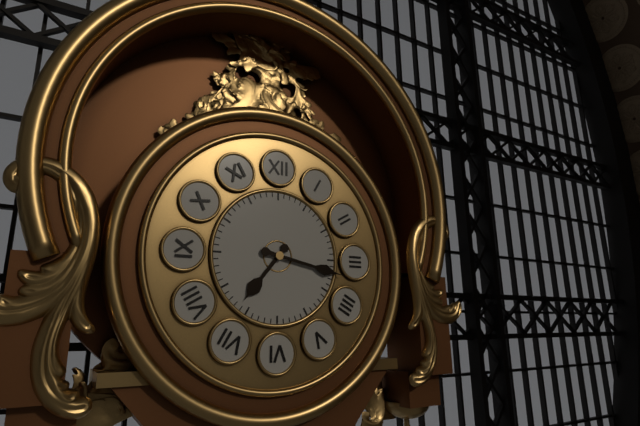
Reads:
{"hour": 7, "minute": 17}
